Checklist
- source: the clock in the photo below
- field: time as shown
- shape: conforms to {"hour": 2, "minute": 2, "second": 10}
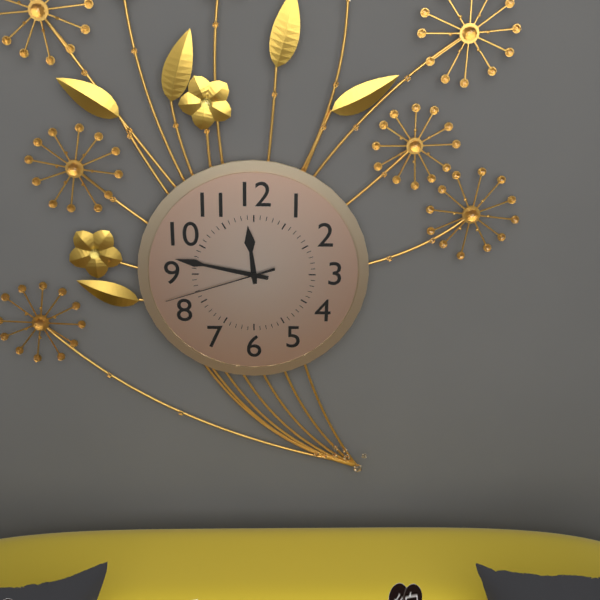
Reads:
{"hour": 11, "minute": 47, "second": 42}
